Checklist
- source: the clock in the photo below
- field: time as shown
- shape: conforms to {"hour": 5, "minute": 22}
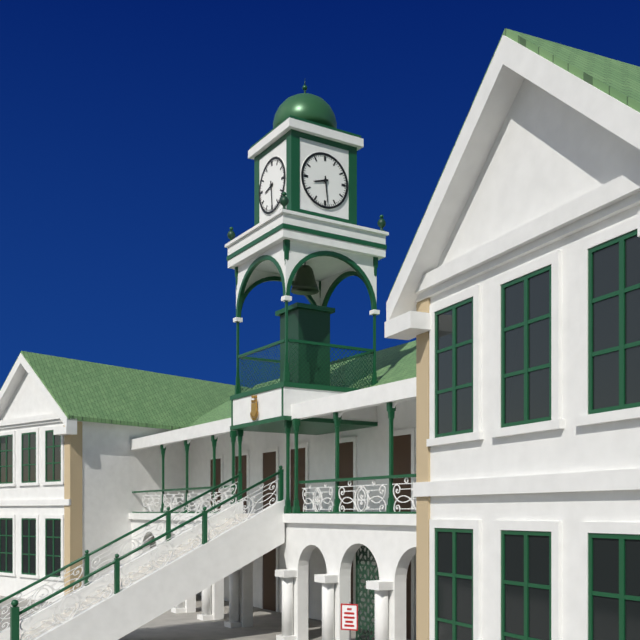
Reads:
{"hour": 8, "minute": 29}
